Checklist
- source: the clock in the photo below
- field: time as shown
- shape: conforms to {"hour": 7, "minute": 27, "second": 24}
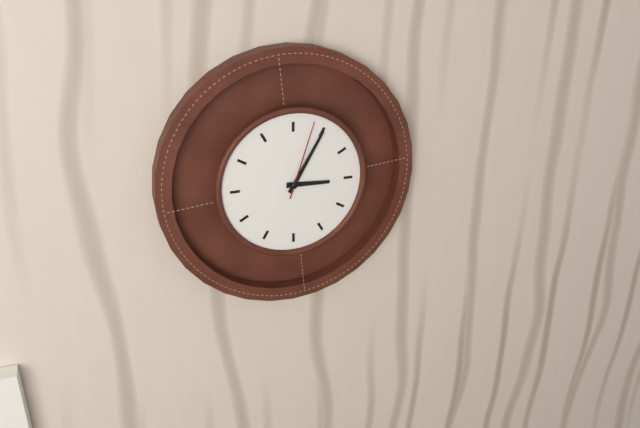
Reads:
{"hour": 3, "minute": 5, "second": 3}
